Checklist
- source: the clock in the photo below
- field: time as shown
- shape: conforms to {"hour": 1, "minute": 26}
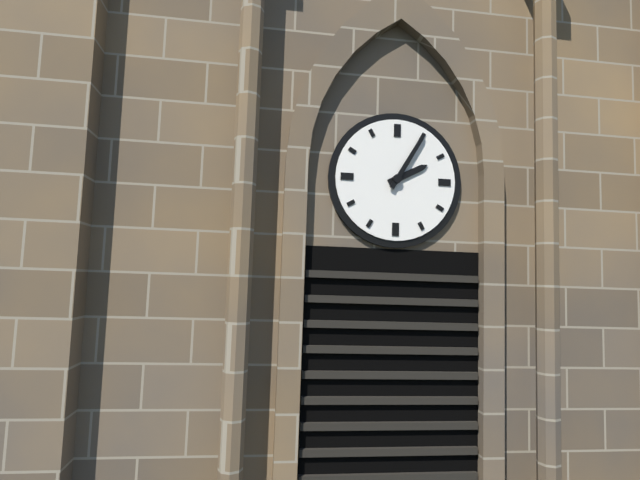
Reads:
{"hour": 2, "minute": 5}
